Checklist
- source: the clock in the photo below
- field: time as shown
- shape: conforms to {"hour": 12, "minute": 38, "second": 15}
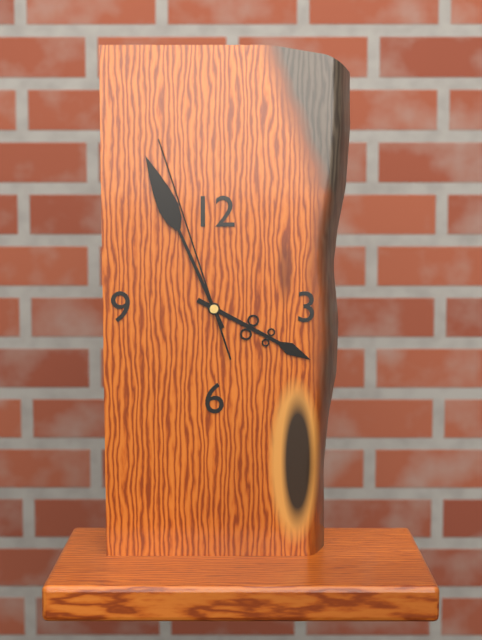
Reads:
{"hour": 3, "minute": 56, "second": 57}
